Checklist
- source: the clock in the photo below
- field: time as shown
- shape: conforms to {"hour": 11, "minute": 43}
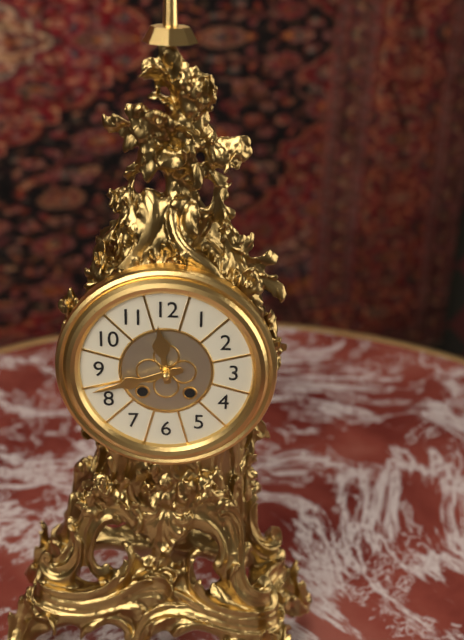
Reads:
{"hour": 11, "minute": 42}
